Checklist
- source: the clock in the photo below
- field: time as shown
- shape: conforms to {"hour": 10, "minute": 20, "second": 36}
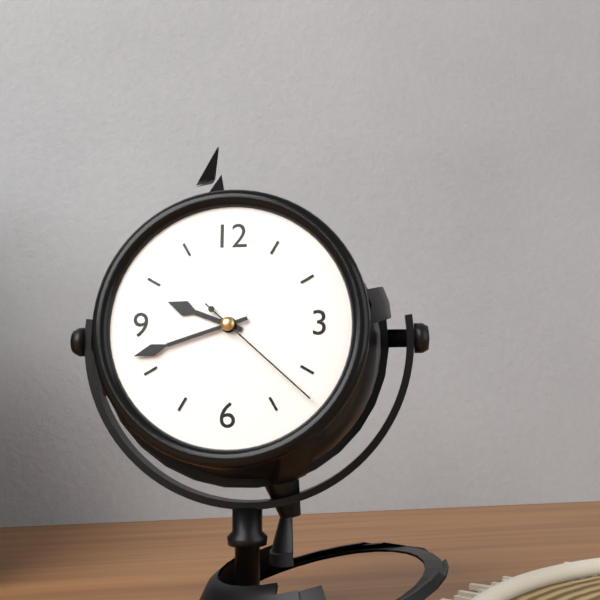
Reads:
{"hour": 9, "minute": 42, "second": 22}
